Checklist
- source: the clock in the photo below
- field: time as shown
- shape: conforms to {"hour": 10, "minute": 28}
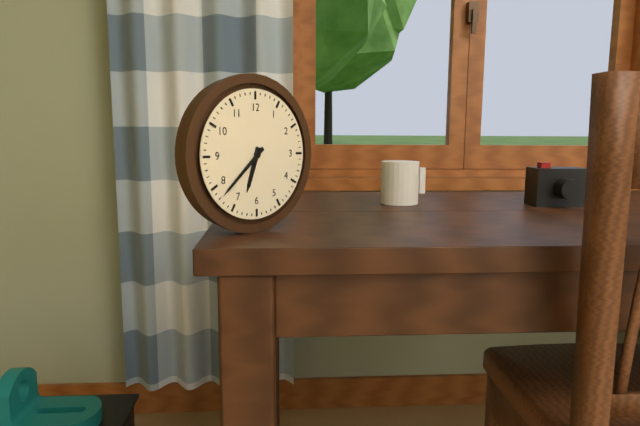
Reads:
{"hour": 6, "minute": 38}
